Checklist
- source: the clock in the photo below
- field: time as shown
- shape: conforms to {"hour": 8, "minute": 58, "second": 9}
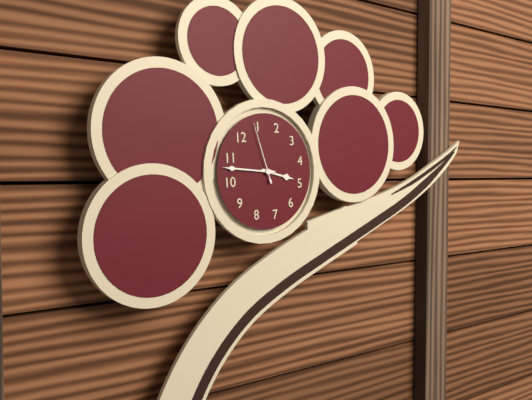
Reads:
{"hour": 4, "minute": 53, "second": 4}
